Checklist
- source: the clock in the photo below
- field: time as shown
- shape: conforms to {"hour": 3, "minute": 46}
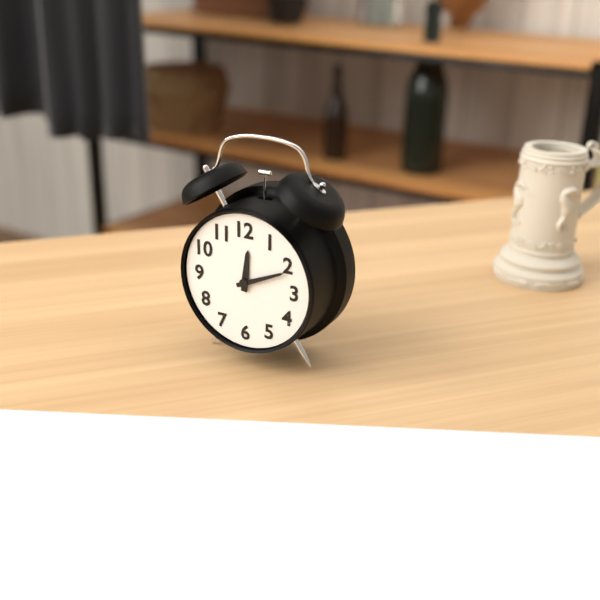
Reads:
{"hour": 12, "minute": 11}
